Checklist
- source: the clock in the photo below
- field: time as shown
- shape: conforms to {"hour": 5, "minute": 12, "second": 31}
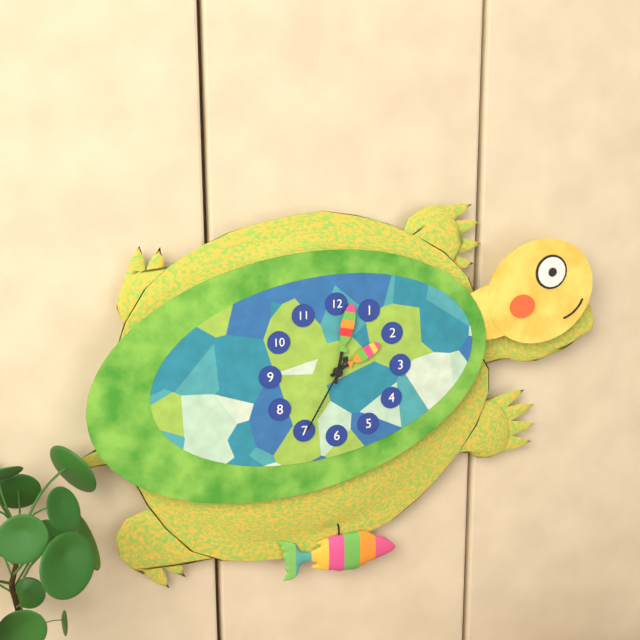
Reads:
{"hour": 2, "minute": 2, "second": 35}
